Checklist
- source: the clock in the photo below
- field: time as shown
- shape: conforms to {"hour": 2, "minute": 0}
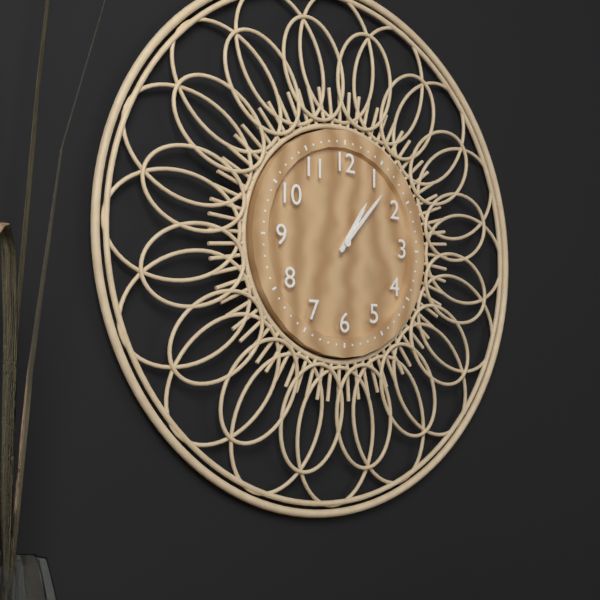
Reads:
{"hour": 1, "minute": 7}
